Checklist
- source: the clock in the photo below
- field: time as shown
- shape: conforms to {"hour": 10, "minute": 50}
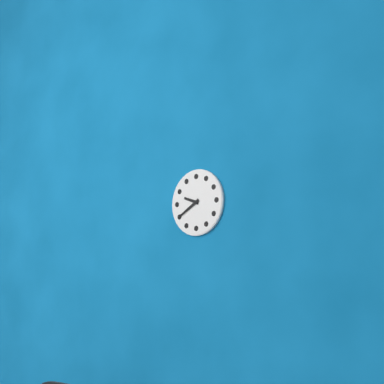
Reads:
{"hour": 9, "minute": 40}
